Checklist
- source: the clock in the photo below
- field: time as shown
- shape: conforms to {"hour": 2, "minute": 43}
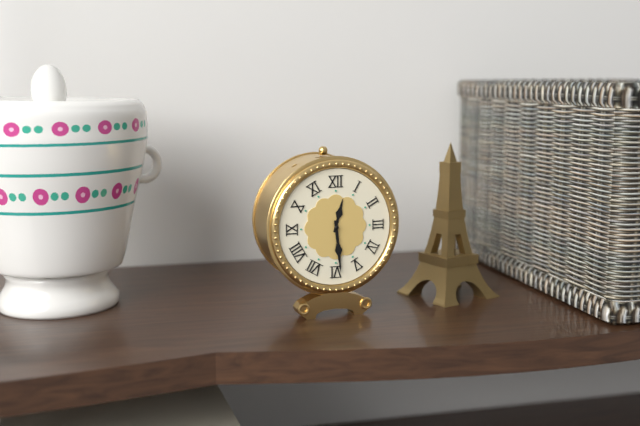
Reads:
{"hour": 12, "minute": 29}
